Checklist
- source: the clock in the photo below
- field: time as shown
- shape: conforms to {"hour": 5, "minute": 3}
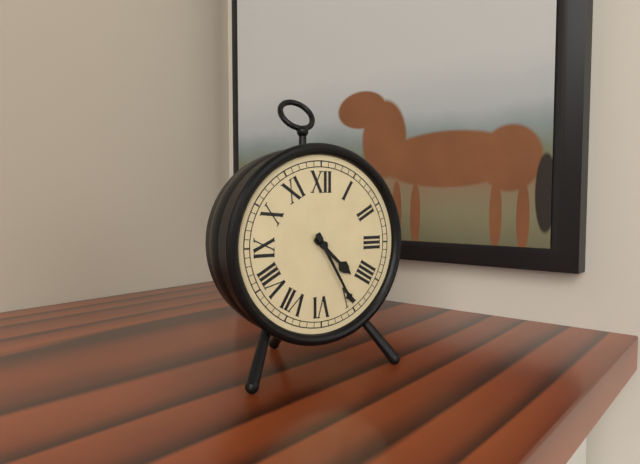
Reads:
{"hour": 4, "minute": 25}
